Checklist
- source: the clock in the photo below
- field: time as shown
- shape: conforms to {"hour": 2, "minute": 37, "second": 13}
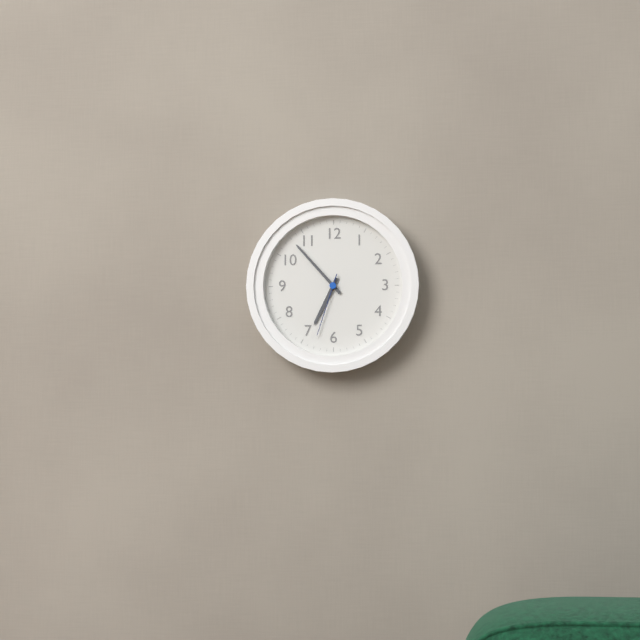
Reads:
{"hour": 6, "minute": 53, "second": 33}
